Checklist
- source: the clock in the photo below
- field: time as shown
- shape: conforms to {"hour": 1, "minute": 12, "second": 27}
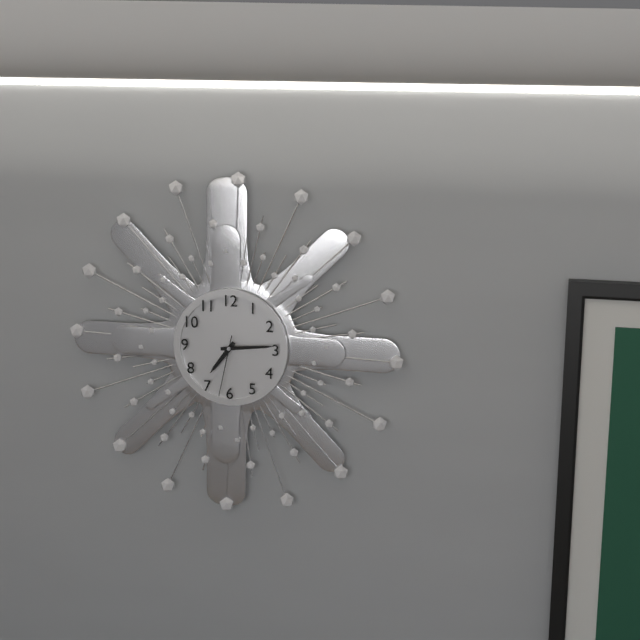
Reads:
{"hour": 7, "minute": 14, "second": 32}
